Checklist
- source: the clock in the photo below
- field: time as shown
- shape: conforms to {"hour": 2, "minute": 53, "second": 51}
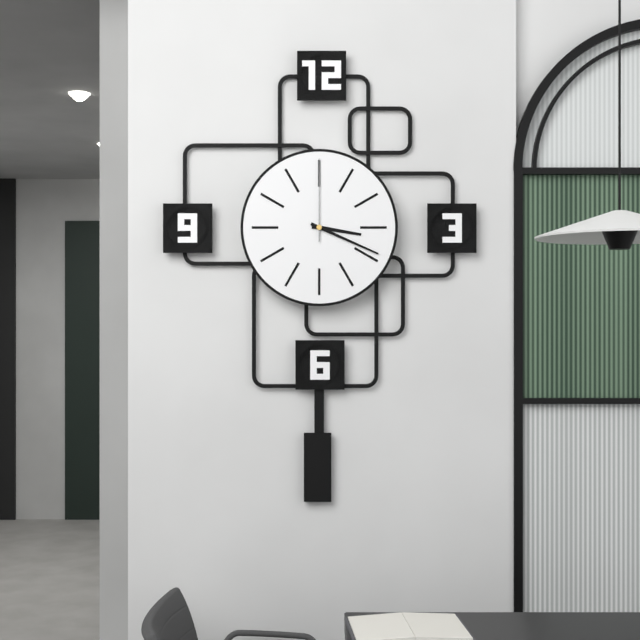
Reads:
{"hour": 3, "minute": 19, "second": 0}
